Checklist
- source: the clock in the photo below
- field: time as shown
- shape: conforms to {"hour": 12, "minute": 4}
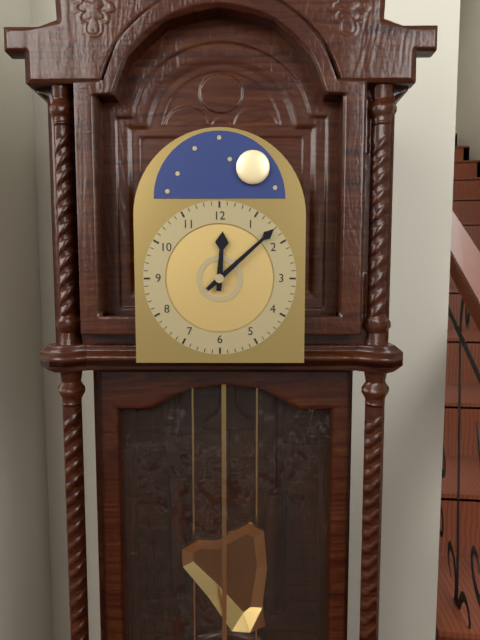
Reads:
{"hour": 12, "minute": 8}
